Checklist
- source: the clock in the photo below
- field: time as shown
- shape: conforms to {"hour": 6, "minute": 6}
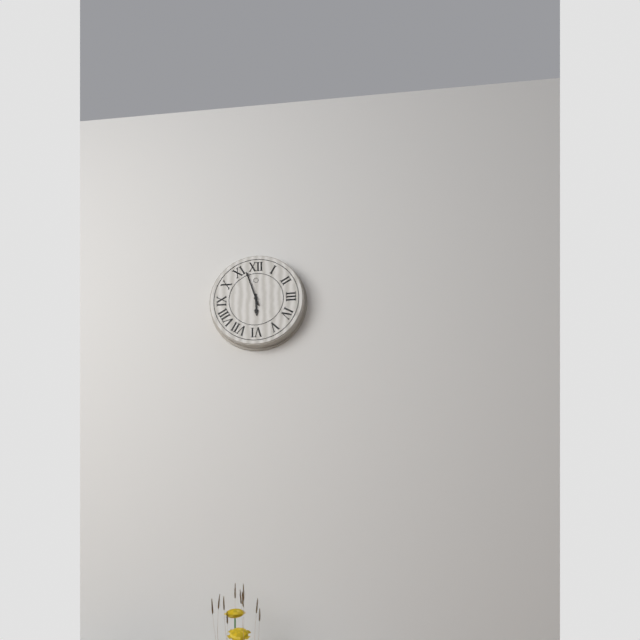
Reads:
{"hour": 5, "minute": 57}
